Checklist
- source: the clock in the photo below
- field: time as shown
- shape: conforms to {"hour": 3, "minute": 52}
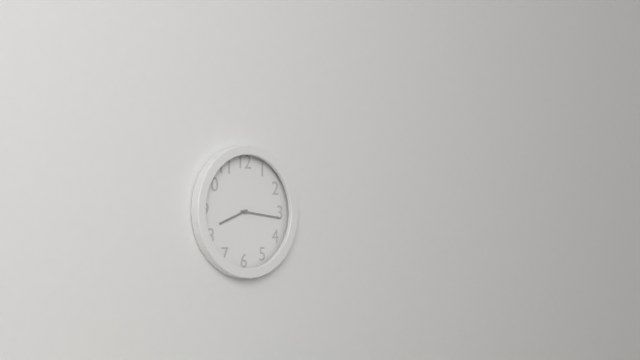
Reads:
{"hour": 8, "minute": 16}
